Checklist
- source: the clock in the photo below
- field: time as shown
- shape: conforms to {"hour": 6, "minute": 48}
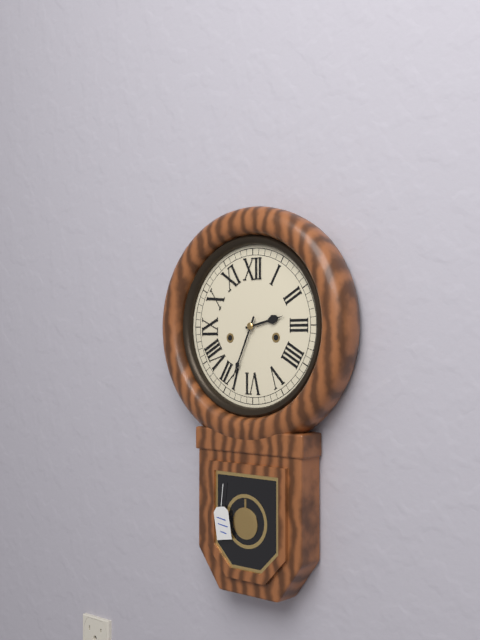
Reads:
{"hour": 2, "minute": 34}
